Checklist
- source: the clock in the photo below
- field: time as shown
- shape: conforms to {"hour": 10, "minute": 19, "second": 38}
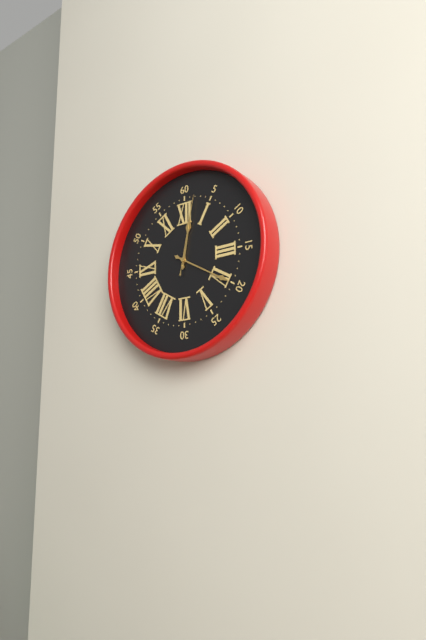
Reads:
{"hour": 12, "minute": 20, "second": 2}
